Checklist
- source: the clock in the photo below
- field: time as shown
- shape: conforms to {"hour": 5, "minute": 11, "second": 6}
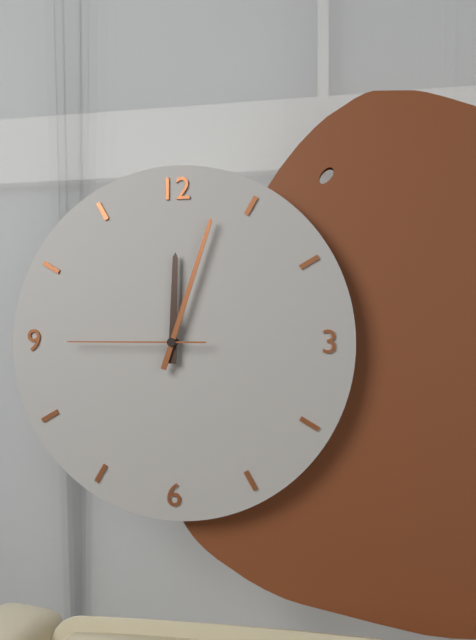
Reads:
{"hour": 12, "minute": 3, "second": 45}
